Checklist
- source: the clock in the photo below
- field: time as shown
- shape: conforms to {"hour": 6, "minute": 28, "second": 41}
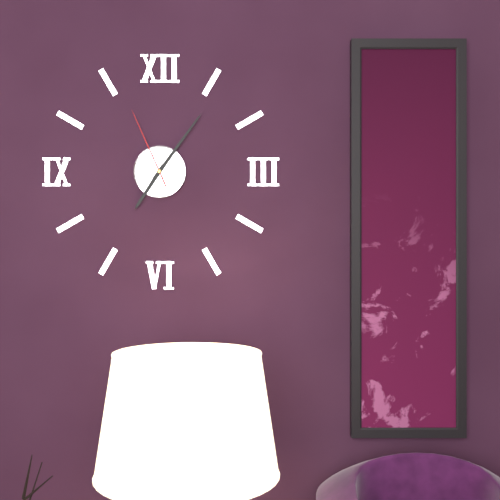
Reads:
{"hour": 7, "minute": 6, "second": 56}
